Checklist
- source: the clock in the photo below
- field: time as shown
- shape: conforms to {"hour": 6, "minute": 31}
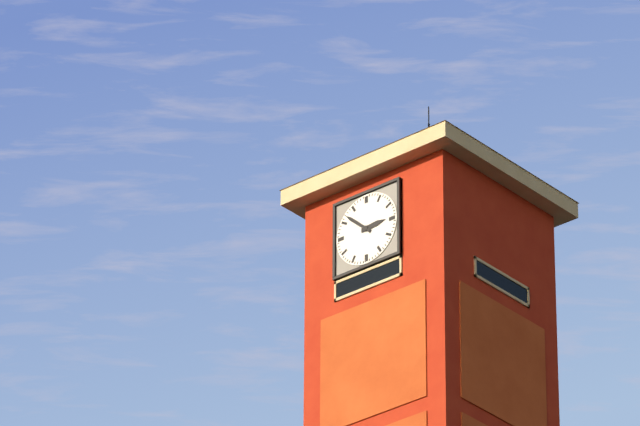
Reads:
{"hour": 2, "minute": 52}
